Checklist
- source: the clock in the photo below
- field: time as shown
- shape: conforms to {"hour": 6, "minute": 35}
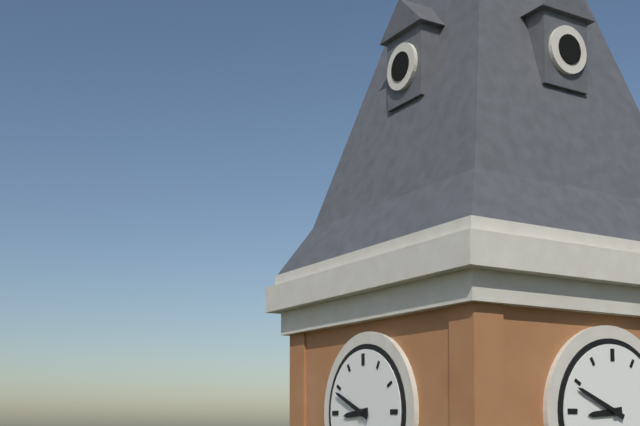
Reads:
{"hour": 8, "minute": 49}
